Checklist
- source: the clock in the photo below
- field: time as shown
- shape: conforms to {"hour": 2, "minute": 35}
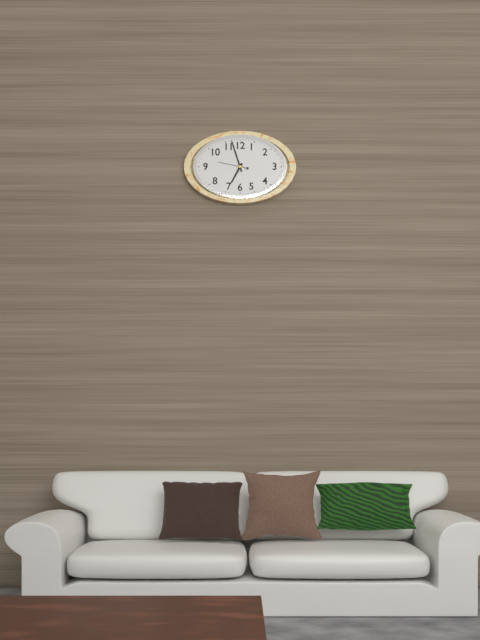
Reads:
{"hour": 6, "minute": 57}
